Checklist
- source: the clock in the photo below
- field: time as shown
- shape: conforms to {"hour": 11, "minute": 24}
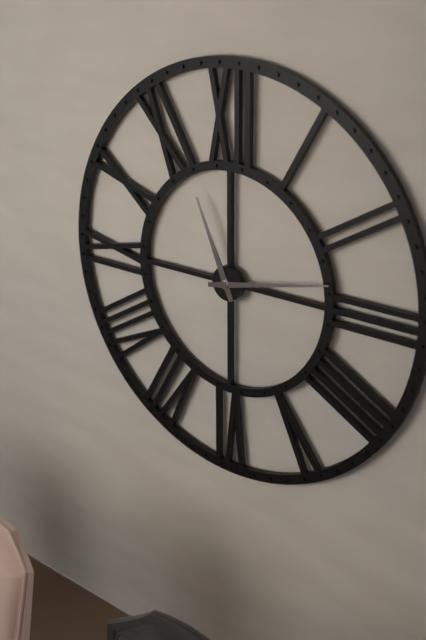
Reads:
{"hour": 11, "minute": 13}
